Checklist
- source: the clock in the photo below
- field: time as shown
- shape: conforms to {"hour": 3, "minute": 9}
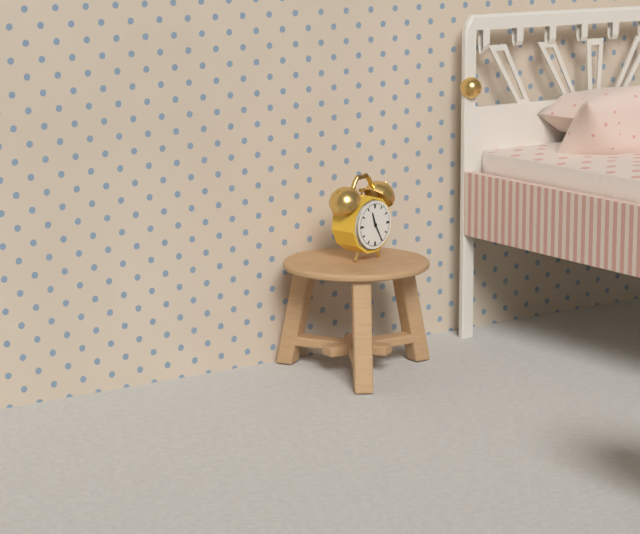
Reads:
{"hour": 11, "minute": 25}
